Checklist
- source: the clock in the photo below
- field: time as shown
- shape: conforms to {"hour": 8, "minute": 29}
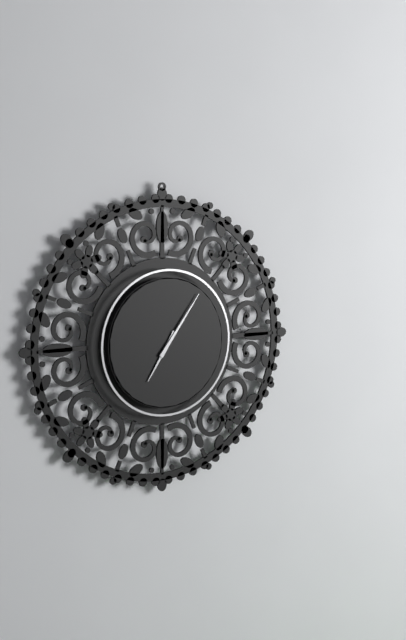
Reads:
{"hour": 7, "minute": 6}
